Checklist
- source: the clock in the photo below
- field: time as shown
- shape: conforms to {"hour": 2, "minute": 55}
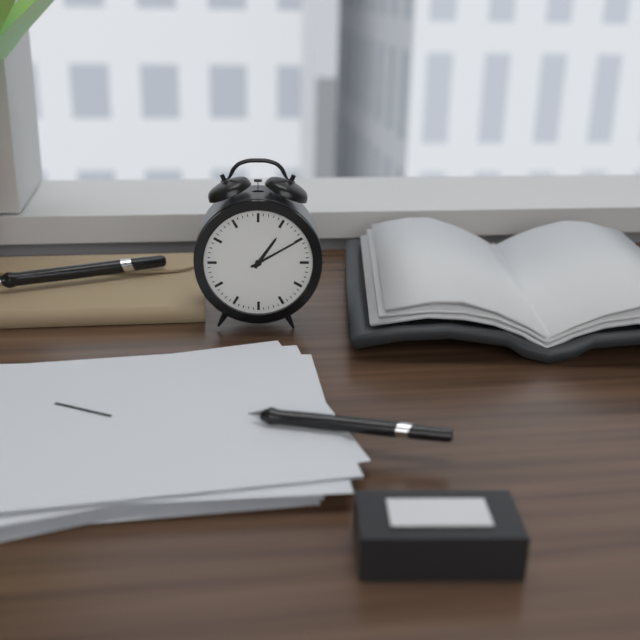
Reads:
{"hour": 1, "minute": 10}
